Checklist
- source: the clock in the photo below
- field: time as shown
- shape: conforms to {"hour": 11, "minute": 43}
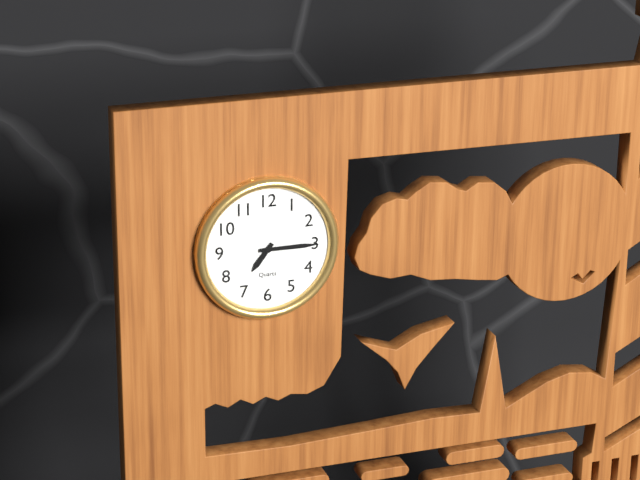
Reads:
{"hour": 7, "minute": 15}
